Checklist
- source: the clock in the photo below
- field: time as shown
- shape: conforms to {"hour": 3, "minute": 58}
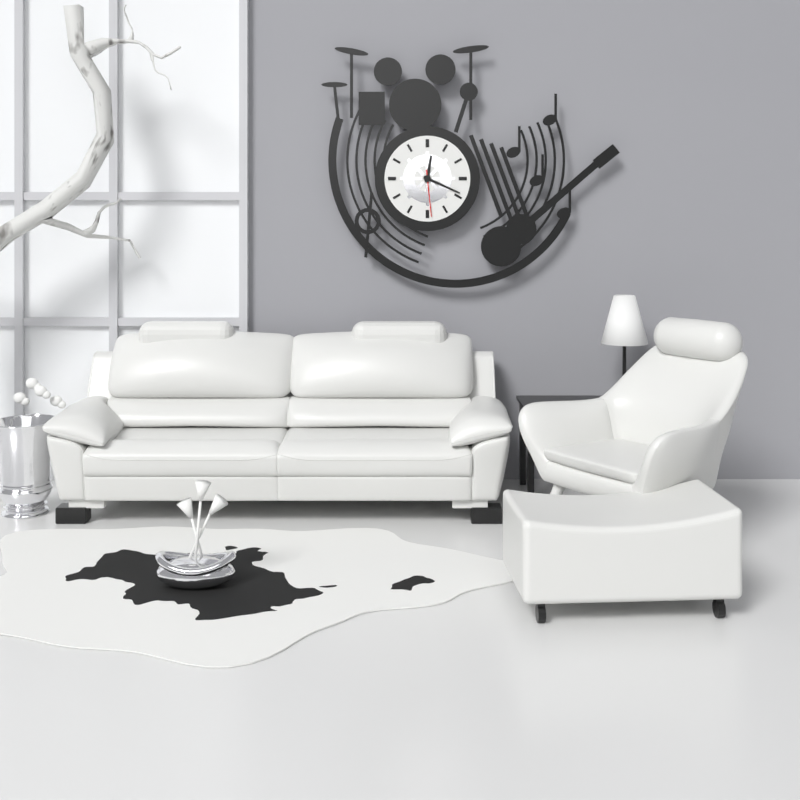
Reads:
{"hour": 12, "minute": 19}
